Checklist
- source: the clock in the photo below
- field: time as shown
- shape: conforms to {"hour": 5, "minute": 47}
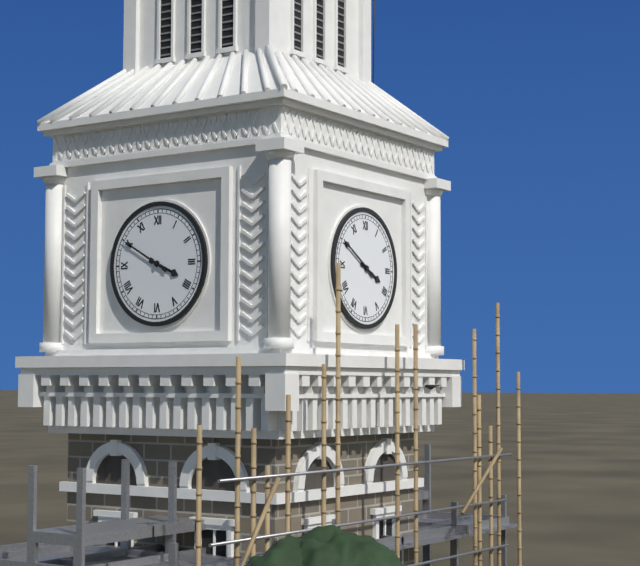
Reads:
{"hour": 3, "minute": 50}
